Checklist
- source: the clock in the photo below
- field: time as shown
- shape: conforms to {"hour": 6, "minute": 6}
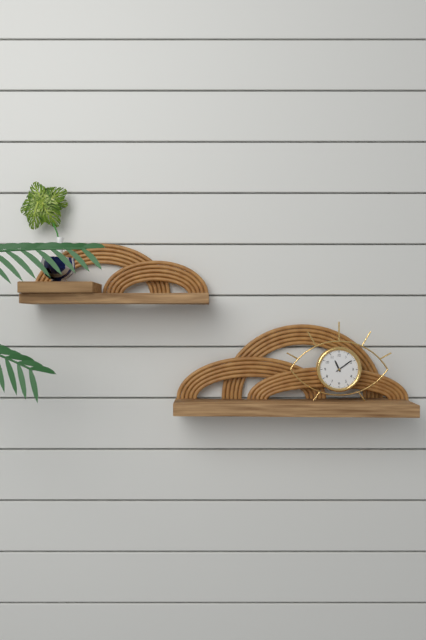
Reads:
{"hour": 11, "minute": 9}
